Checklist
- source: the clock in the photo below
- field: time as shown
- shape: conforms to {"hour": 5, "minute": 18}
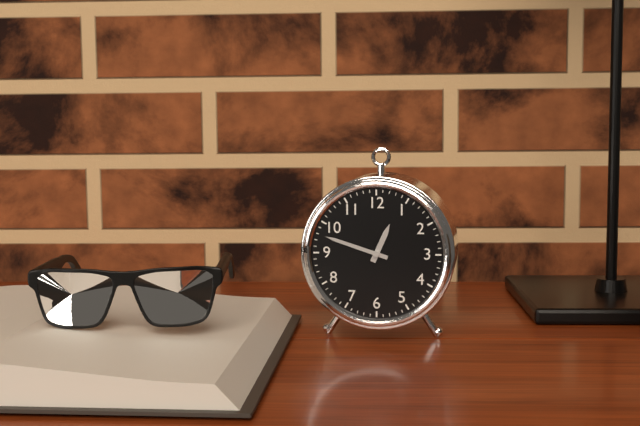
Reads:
{"hour": 12, "minute": 48}
